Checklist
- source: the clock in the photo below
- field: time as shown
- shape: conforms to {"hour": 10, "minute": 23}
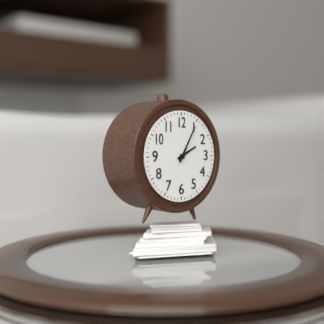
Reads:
{"hour": 2, "minute": 5}
